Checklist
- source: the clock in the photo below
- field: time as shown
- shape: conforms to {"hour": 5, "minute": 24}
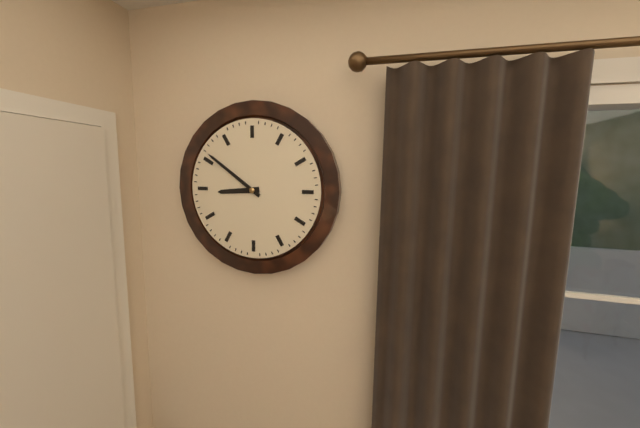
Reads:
{"hour": 8, "minute": 51}
